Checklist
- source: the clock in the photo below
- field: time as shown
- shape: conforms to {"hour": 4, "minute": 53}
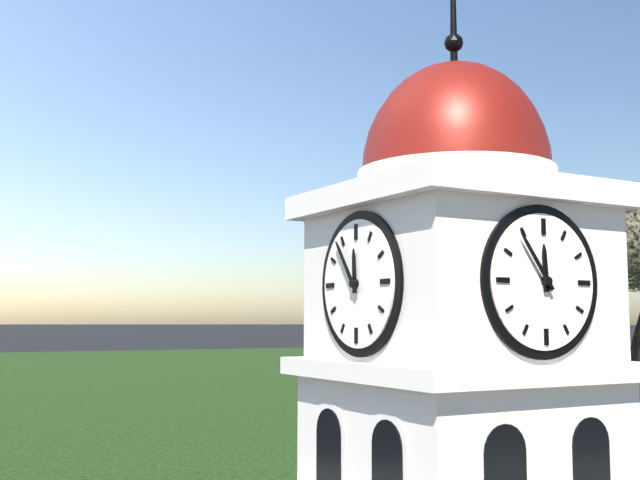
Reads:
{"hour": 11, "minute": 54}
